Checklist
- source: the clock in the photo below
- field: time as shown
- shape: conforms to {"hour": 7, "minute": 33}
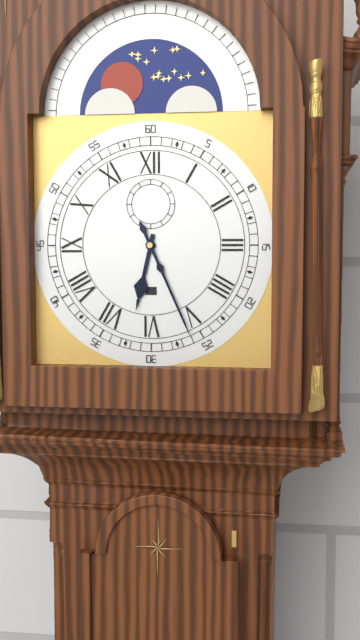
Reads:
{"hour": 6, "minute": 26}
